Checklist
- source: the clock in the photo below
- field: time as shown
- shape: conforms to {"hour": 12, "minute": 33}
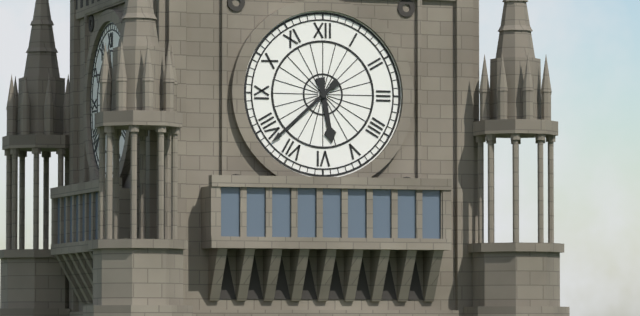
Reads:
{"hour": 5, "minute": 38}
